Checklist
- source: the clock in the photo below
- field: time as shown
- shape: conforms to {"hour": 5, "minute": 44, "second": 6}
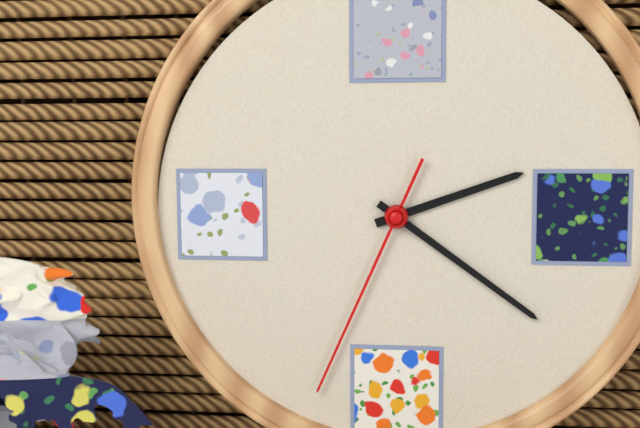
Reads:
{"hour": 2, "minute": 21, "second": 34}
